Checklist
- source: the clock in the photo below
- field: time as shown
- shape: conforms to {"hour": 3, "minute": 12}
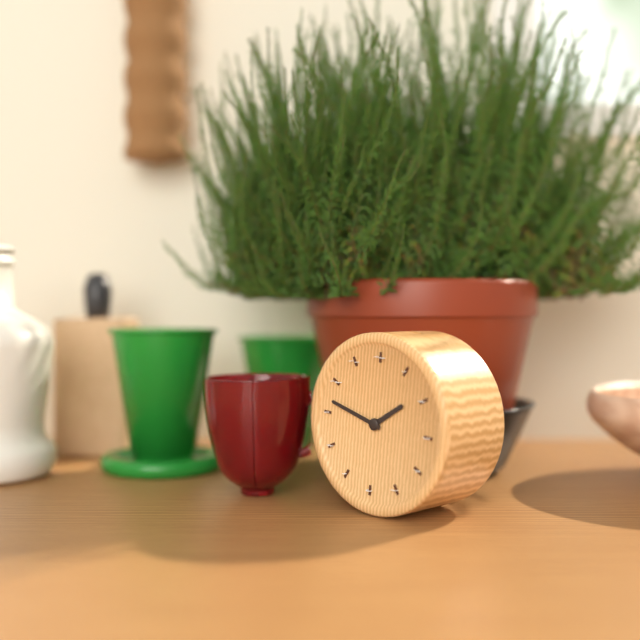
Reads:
{"hour": 1, "minute": 47}
